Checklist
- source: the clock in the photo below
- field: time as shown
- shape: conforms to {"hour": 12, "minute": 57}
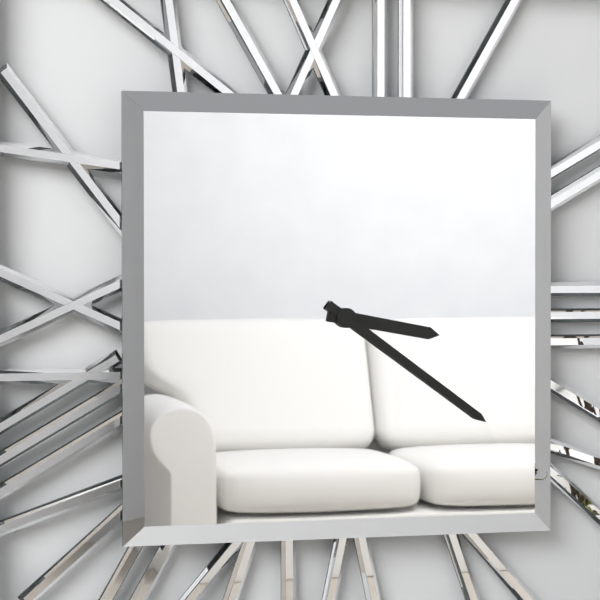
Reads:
{"hour": 3, "minute": 21}
